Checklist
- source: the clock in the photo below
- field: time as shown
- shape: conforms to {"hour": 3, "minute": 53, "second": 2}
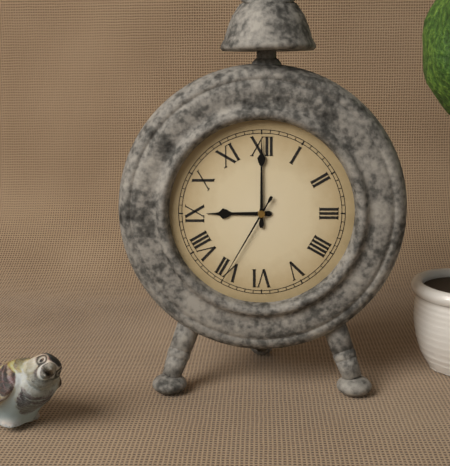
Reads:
{"hour": 9, "minute": 0, "second": 35}
